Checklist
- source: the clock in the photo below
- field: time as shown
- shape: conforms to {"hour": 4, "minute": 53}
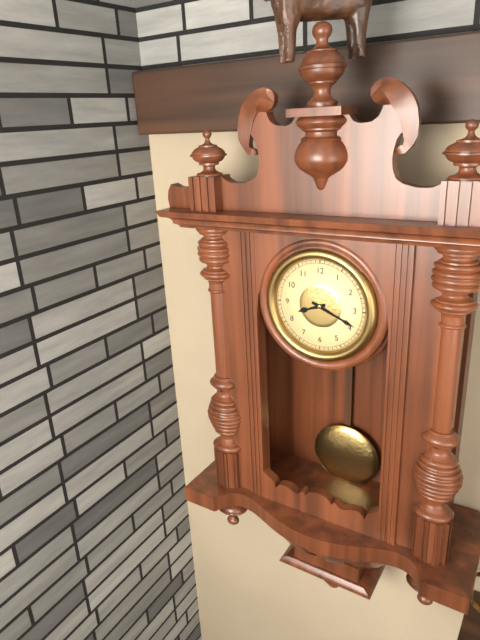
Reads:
{"hour": 8, "minute": 19}
